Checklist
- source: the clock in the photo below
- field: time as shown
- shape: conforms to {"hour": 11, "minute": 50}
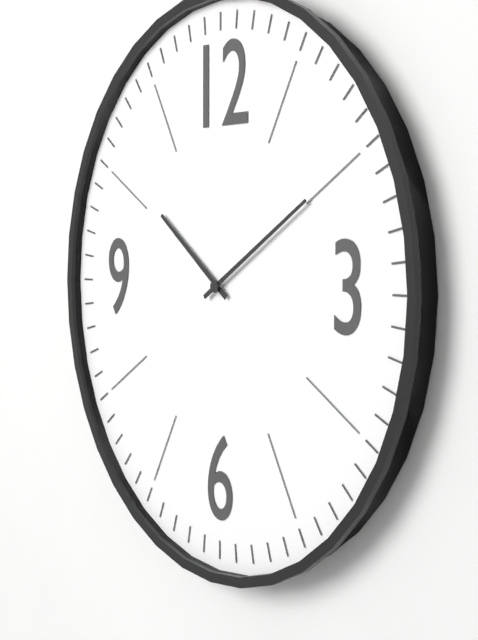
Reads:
{"hour": 10, "minute": 10}
